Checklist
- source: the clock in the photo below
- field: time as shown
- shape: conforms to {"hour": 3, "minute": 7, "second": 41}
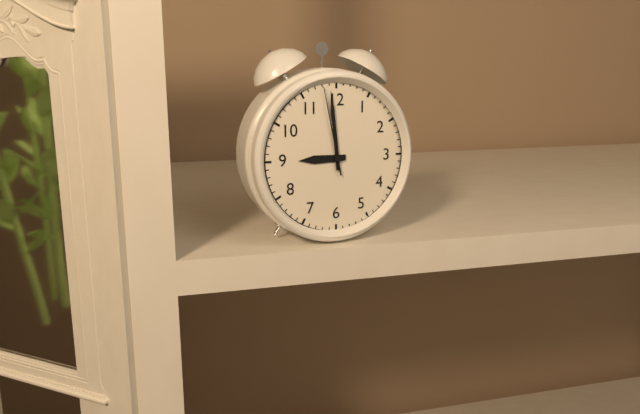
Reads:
{"hour": 8, "minute": 59, "second": 58}
